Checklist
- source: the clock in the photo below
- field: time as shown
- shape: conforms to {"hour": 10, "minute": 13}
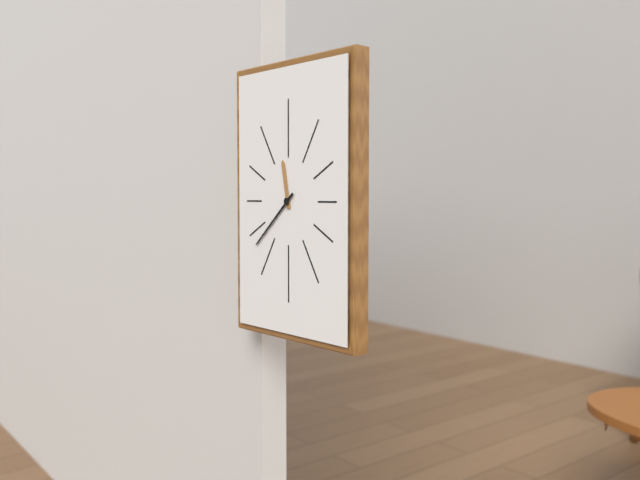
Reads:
{"hour": 11, "minute": 38}
